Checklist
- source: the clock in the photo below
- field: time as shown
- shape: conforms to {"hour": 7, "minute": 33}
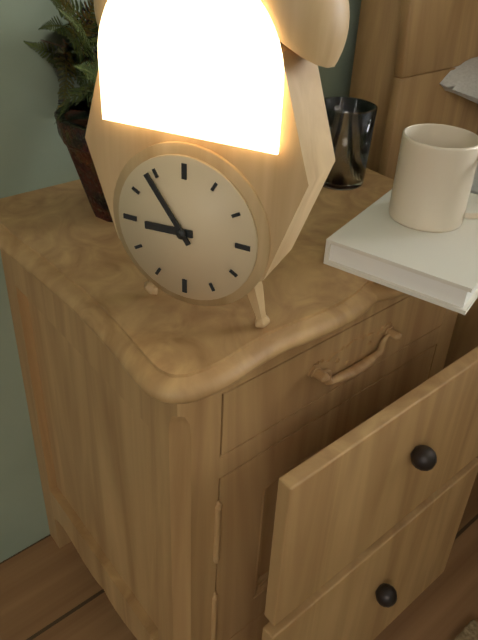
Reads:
{"hour": 8, "minute": 54}
